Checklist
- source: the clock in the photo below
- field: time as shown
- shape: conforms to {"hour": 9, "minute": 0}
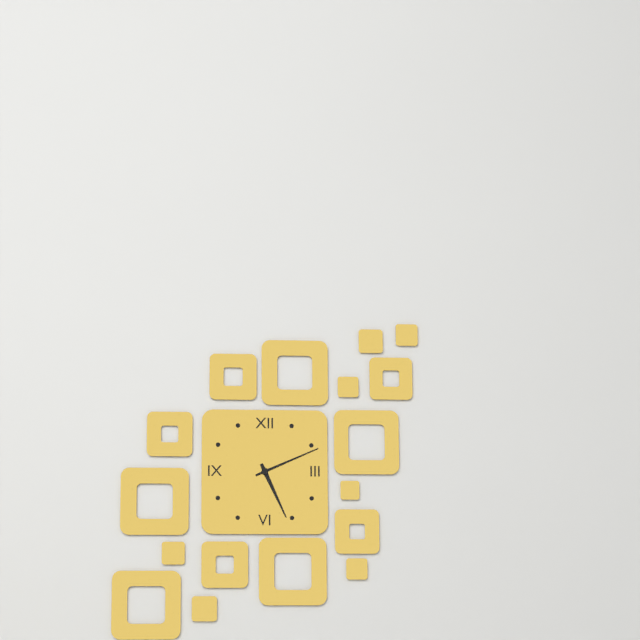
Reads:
{"hour": 5, "minute": 11}
